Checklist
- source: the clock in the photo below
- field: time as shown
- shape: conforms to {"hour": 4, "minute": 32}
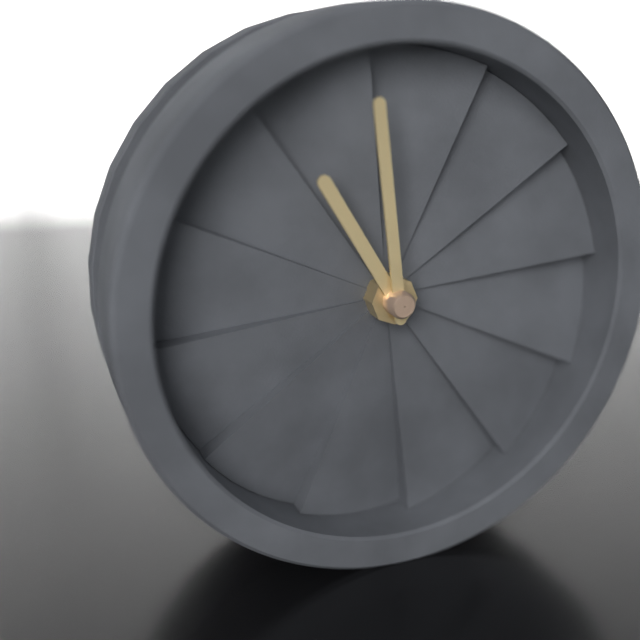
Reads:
{"hour": 10, "minute": 59}
